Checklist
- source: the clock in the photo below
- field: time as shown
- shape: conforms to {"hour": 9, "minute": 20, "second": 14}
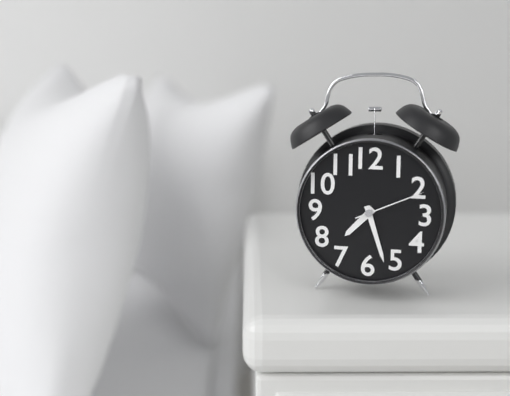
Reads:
{"hour": 7, "minute": 27, "second": 11}
